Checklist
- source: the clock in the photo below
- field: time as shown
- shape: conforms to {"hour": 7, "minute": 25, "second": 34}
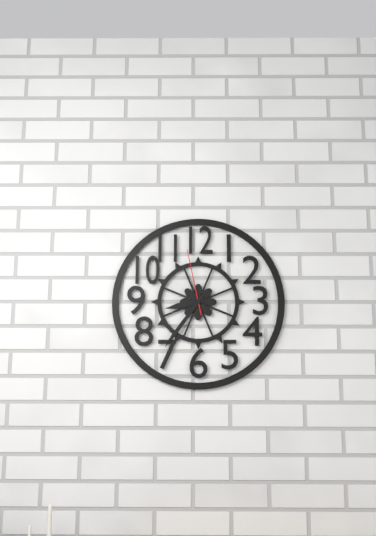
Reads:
{"hour": 8, "minute": 36, "second": 58}
